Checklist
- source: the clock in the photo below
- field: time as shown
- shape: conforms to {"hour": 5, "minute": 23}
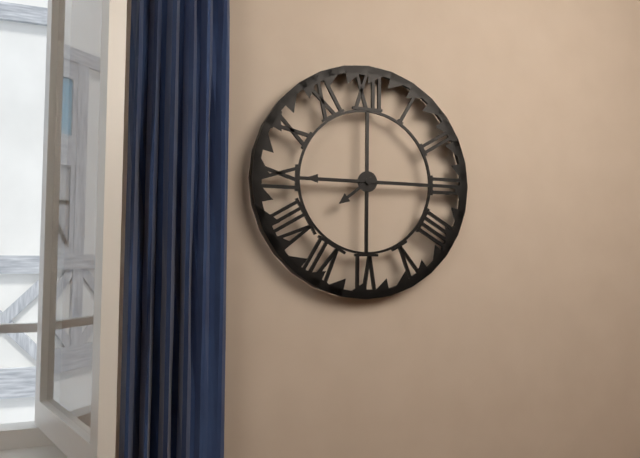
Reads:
{"hour": 7, "minute": 45}
